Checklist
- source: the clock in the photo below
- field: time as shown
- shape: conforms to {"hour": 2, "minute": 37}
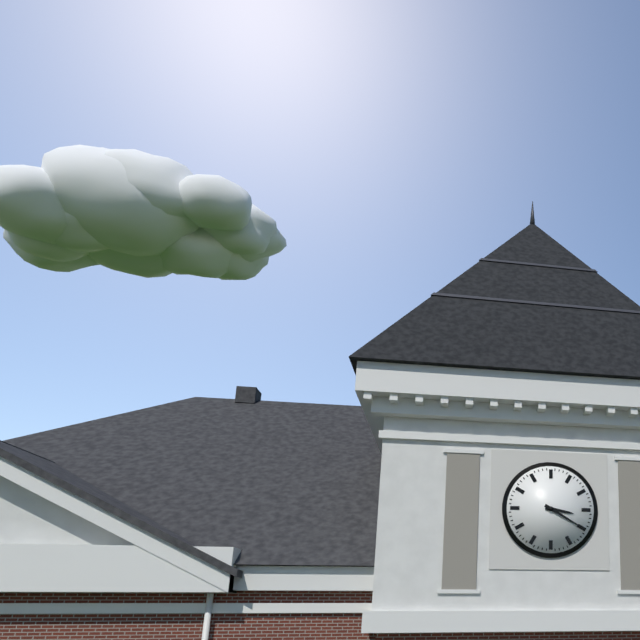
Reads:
{"hour": 3, "minute": 20}
